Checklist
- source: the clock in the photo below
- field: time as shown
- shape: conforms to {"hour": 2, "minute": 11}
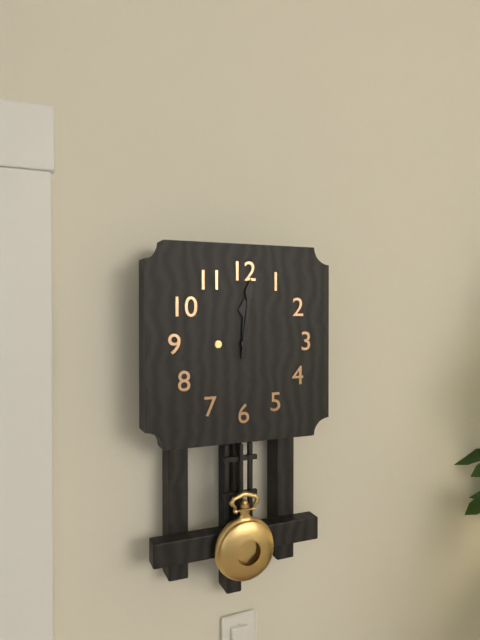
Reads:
{"hour": 12, "minute": 1}
